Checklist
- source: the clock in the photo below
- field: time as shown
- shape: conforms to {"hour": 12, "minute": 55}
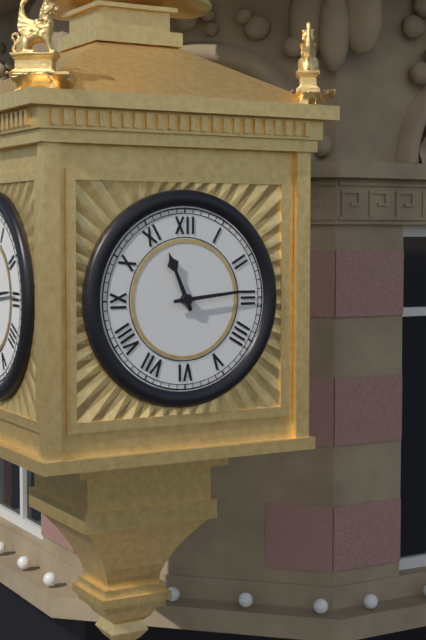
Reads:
{"hour": 11, "minute": 14}
